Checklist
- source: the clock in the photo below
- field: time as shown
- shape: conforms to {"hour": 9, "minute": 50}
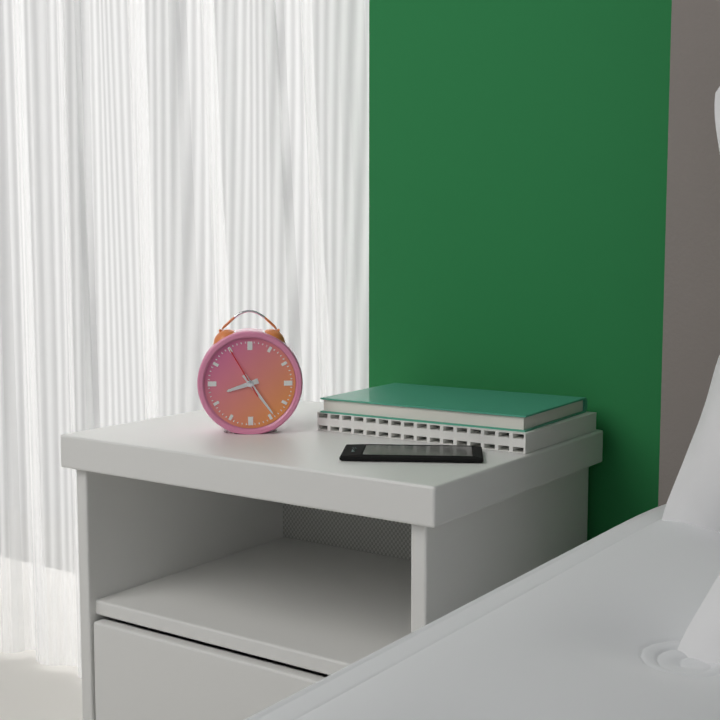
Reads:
{"hour": 8, "minute": 24}
